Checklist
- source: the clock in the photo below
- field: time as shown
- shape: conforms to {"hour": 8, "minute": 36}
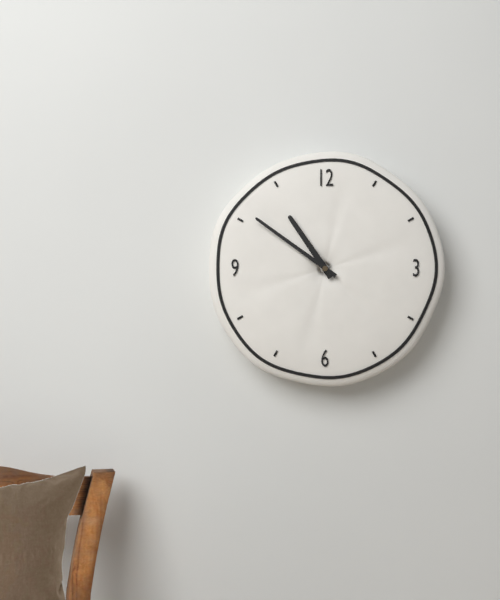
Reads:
{"hour": 10, "minute": 51}
